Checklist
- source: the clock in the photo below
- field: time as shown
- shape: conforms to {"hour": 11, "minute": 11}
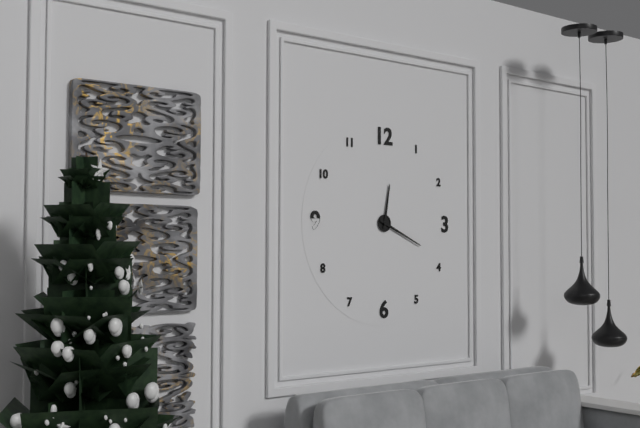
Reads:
{"hour": 12, "minute": 19}
